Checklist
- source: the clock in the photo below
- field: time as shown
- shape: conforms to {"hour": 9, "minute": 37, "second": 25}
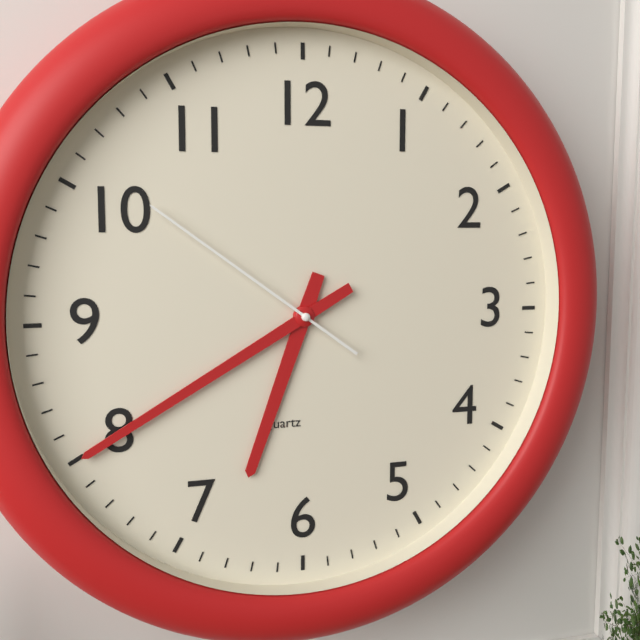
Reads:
{"hour": 6, "minute": 40, "second": 51}
